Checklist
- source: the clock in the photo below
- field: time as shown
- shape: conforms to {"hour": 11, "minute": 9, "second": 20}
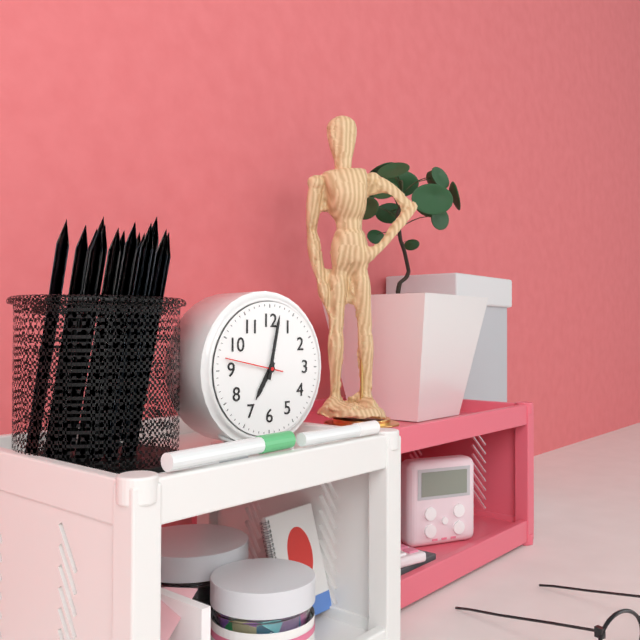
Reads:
{"hour": 7, "minute": 2, "second": 47}
